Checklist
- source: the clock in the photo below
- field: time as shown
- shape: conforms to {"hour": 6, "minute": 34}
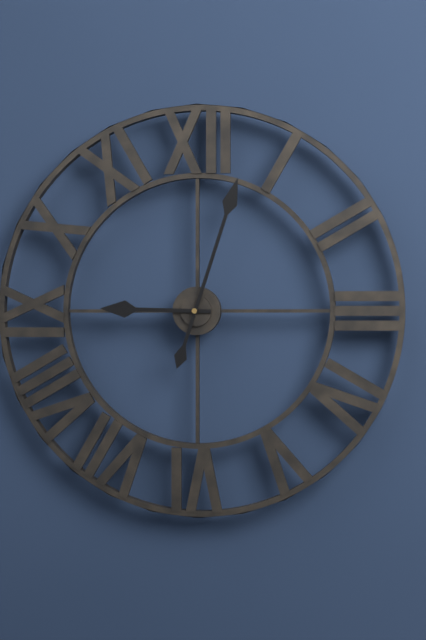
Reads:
{"hour": 9, "minute": 3}
